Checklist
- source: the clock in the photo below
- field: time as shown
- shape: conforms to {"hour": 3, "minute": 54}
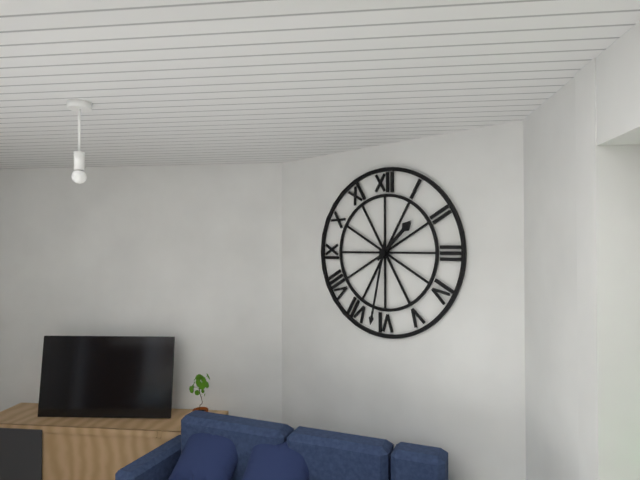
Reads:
{"hour": 1, "minute": 32}
